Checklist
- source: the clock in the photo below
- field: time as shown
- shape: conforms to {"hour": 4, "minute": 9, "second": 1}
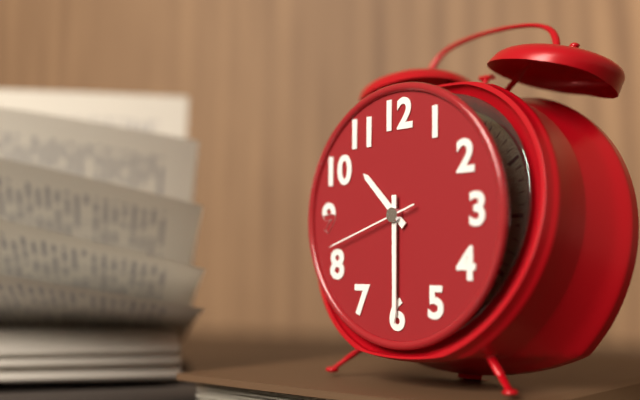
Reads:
{"hour": 10, "minute": 30, "second": 42}
